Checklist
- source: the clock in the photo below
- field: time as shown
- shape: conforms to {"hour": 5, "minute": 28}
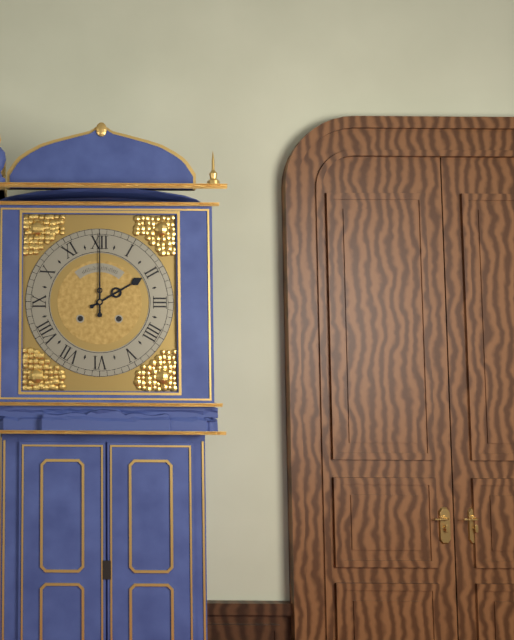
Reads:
{"hour": 2, "minute": 0}
